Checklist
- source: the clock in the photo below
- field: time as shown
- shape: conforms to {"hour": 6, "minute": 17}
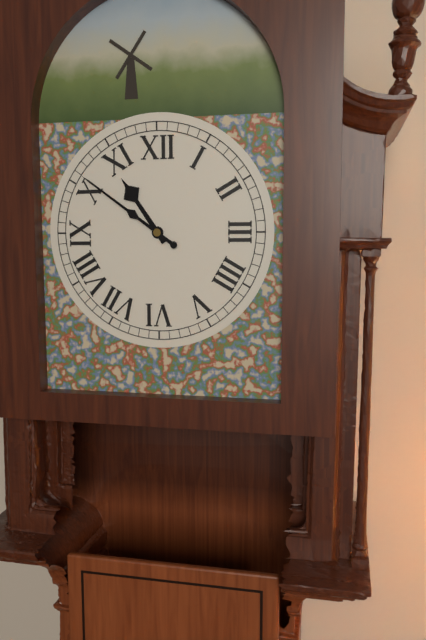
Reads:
{"hour": 10, "minute": 51}
